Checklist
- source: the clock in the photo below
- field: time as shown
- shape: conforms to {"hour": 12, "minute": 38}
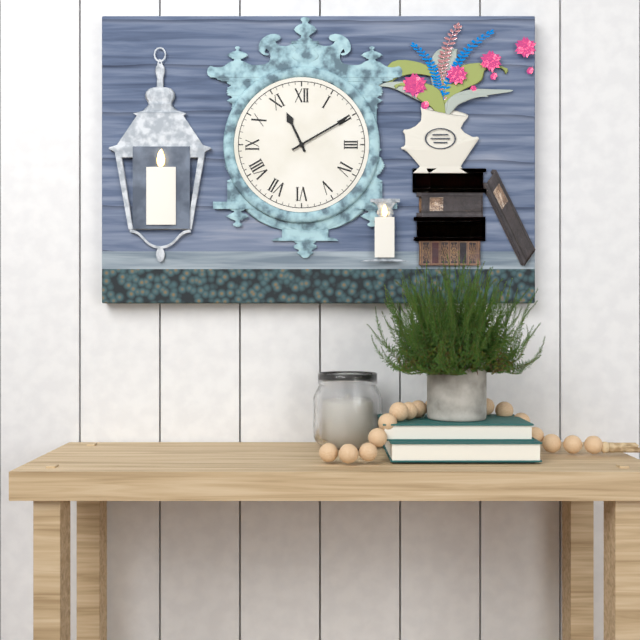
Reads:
{"hour": 11, "minute": 10}
